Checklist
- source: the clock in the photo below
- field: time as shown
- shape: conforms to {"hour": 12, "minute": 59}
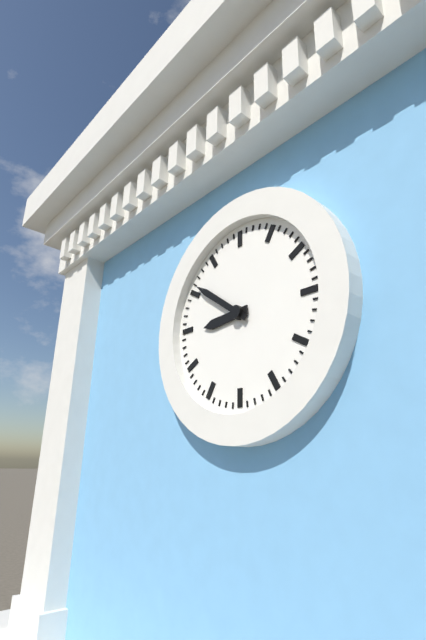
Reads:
{"hour": 8, "minute": 51}
